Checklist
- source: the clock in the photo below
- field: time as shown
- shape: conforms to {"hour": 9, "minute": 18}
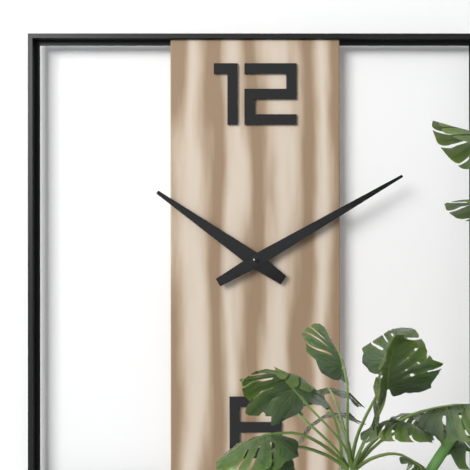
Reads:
{"hour": 10, "minute": 10}
